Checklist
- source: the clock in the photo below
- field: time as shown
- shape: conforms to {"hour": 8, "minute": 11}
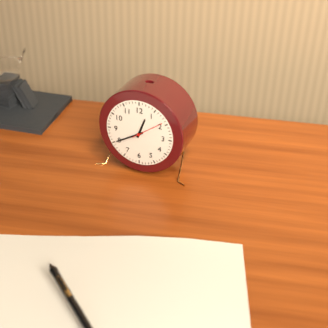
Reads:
{"hour": 12, "minute": 40}
